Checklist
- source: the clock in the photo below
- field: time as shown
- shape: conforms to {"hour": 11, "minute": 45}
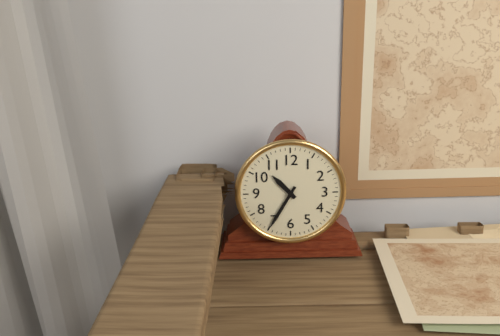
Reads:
{"hour": 10, "minute": 35}
